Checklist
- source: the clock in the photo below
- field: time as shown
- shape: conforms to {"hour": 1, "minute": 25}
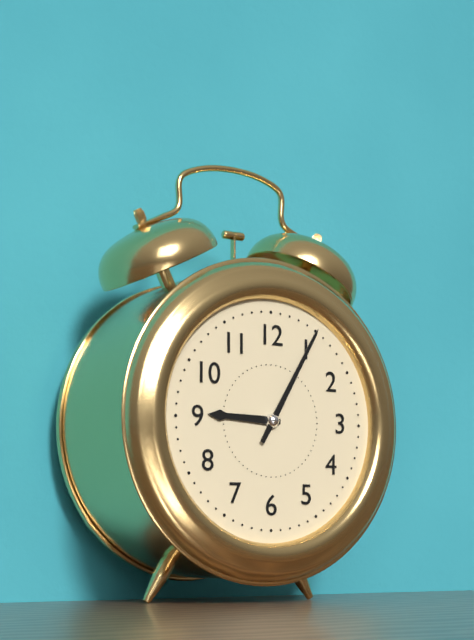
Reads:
{"hour": 9, "minute": 5}
